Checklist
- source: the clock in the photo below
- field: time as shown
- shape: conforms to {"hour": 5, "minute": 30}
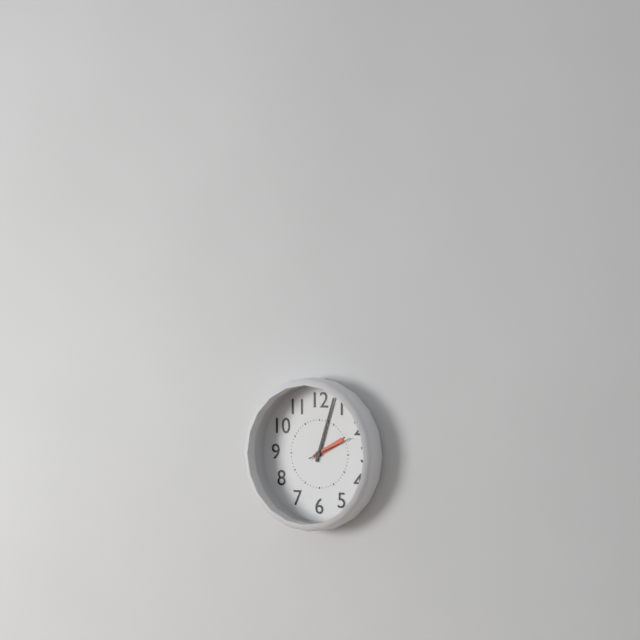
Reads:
{"hour": 2, "minute": 3}
